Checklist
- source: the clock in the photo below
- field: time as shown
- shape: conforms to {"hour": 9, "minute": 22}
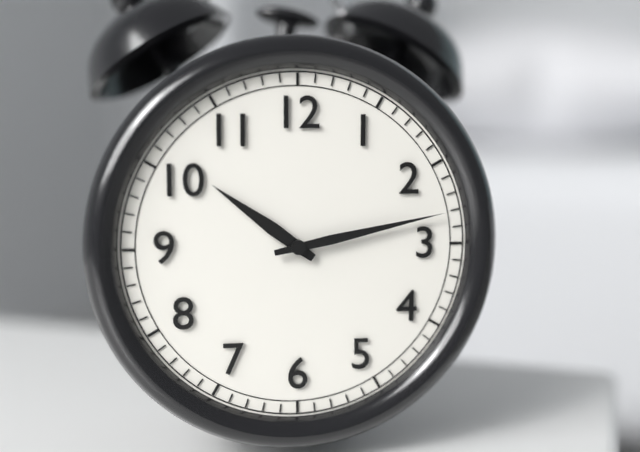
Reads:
{"hour": 10, "minute": 13}
